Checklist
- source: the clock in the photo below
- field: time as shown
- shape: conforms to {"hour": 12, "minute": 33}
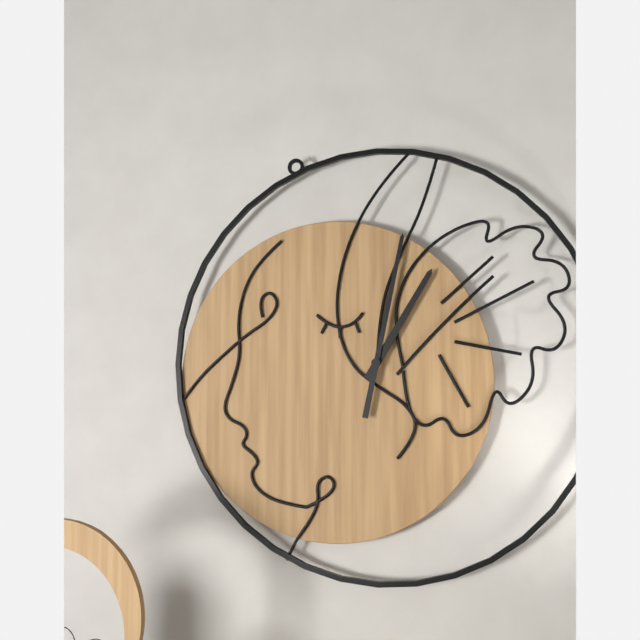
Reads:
{"hour": 1, "minute": 2}
